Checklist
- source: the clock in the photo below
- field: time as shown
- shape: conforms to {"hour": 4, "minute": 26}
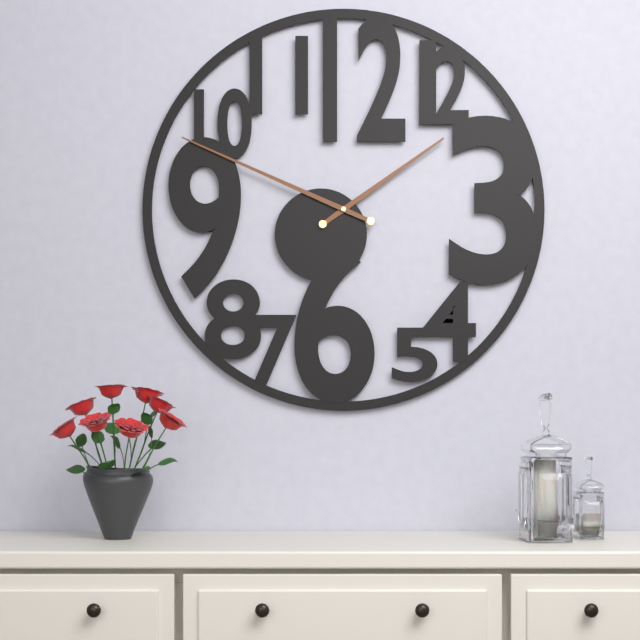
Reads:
{"hour": 1, "minute": 49}
